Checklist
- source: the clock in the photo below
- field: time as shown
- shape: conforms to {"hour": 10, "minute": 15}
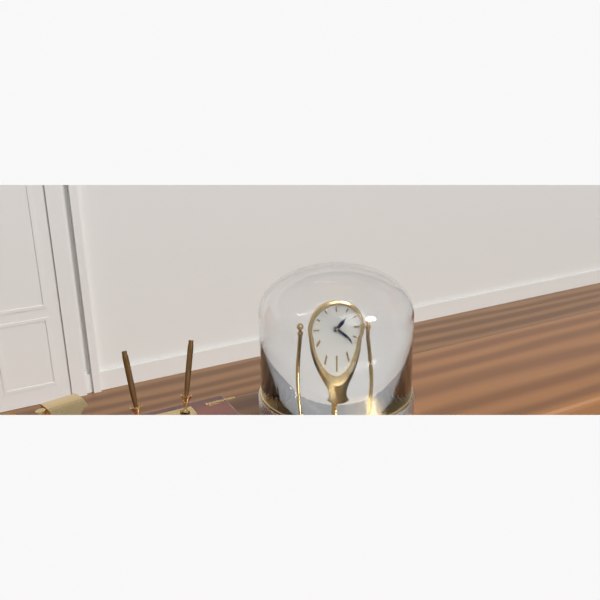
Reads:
{"hour": 1, "minute": 22}
